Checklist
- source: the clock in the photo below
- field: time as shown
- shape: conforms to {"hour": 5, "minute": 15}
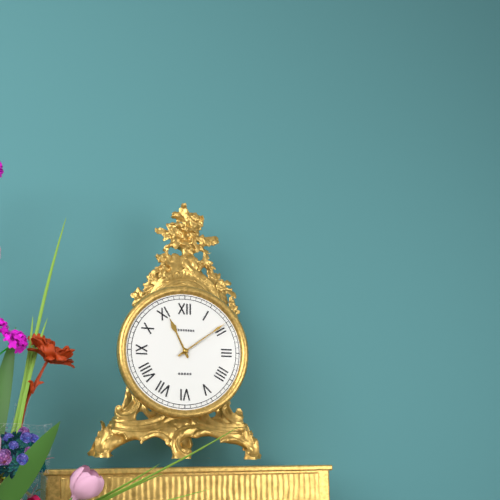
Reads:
{"hour": 11, "minute": 9}
